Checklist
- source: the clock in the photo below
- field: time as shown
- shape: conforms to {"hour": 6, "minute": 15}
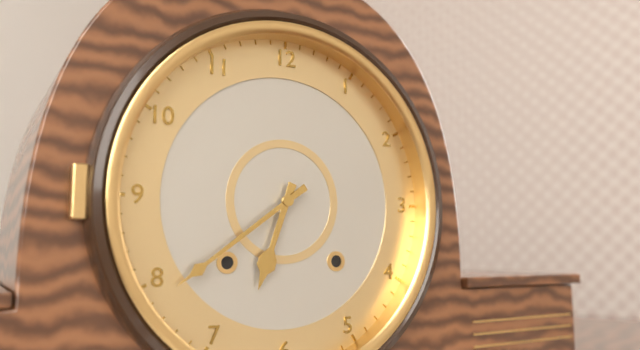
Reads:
{"hour": 6, "minute": 39}
